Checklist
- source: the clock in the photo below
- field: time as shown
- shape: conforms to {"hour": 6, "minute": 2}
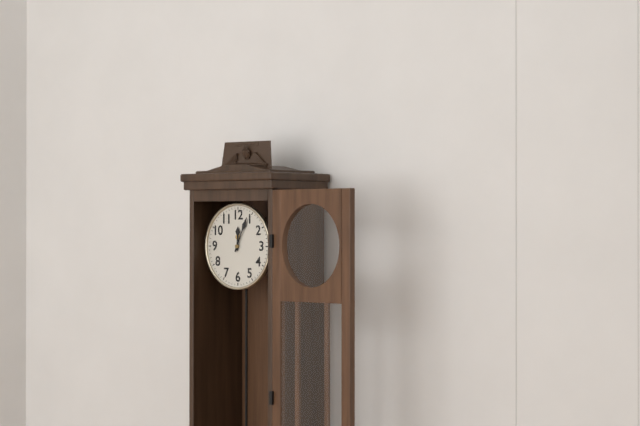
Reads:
{"hour": 12, "minute": 4}
